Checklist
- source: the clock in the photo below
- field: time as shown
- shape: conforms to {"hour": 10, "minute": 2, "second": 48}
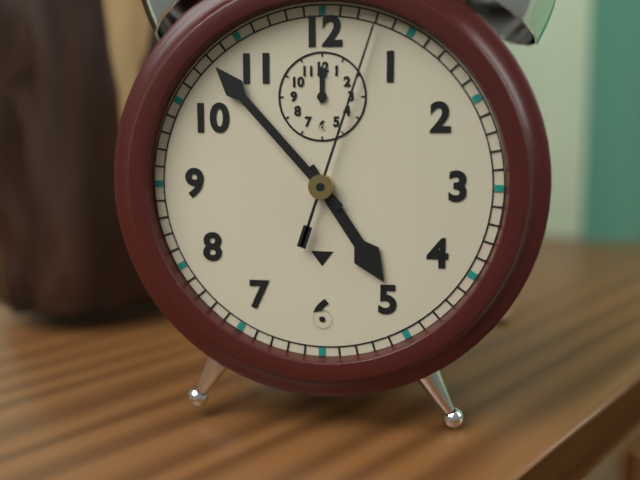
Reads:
{"hour": 4, "minute": 53, "second": 3}
